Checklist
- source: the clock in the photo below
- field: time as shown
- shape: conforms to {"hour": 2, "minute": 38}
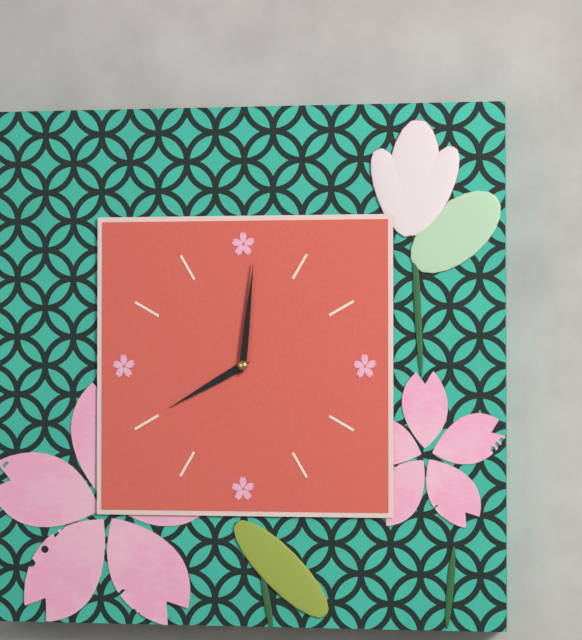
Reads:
{"hour": 8, "minute": 1}
